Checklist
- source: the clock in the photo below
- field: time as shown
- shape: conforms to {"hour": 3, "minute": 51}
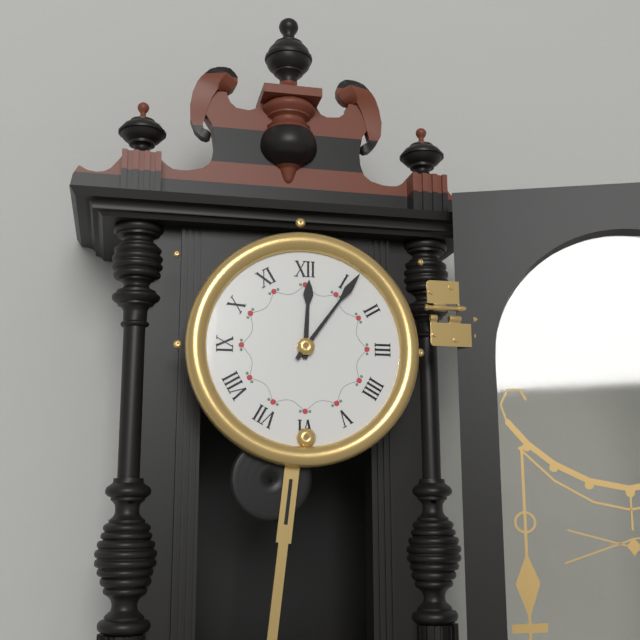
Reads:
{"hour": 12, "minute": 6}
